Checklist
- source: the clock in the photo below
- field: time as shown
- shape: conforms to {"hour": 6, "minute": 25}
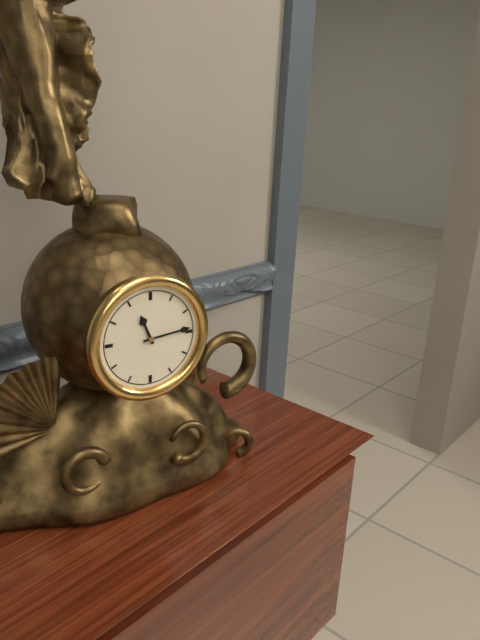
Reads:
{"hour": 11, "minute": 14}
